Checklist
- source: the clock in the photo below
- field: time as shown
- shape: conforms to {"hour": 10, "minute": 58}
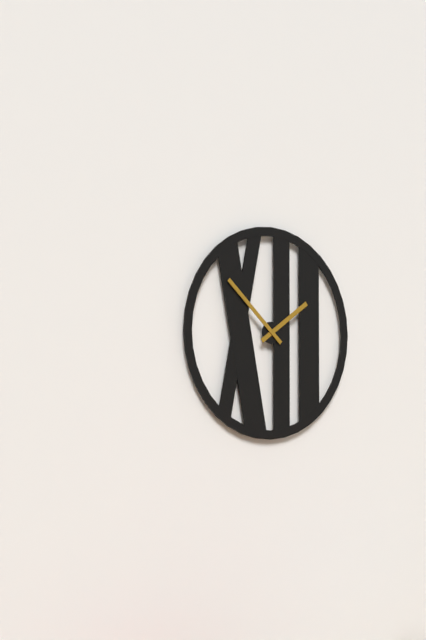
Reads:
{"hour": 1, "minute": 52}
